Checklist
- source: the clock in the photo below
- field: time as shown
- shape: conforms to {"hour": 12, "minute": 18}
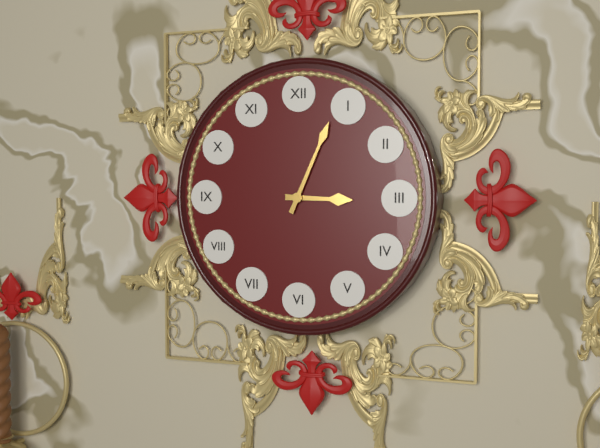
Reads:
{"hour": 3, "minute": 4}
